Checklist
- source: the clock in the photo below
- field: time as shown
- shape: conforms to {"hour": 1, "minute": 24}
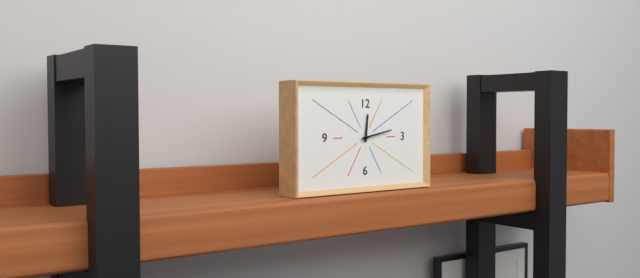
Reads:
{"hour": 12, "minute": 13}
